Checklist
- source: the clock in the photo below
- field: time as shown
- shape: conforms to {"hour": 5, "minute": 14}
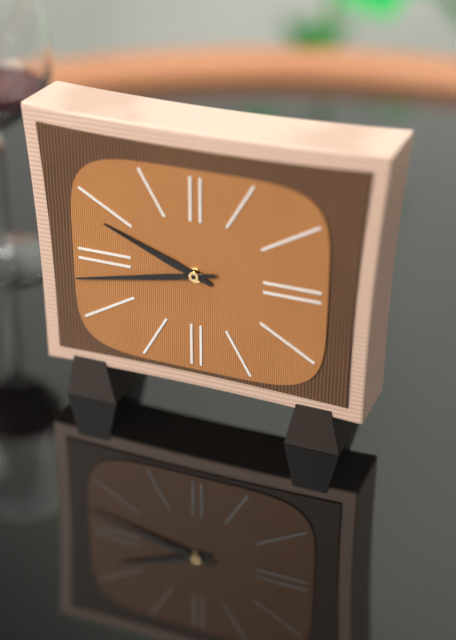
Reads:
{"hour": 9, "minute": 43}
